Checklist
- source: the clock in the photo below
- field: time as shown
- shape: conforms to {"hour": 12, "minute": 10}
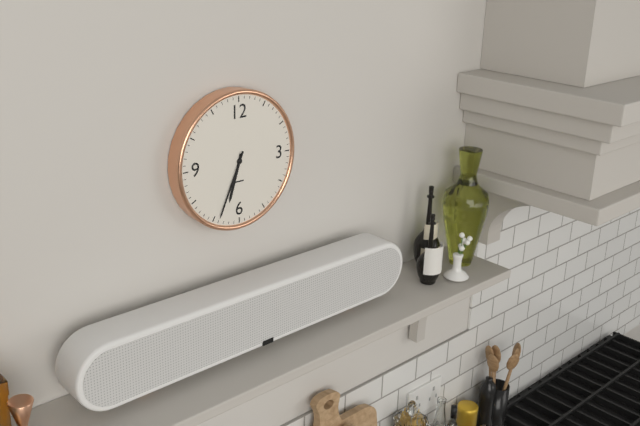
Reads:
{"hour": 6, "minute": 34}
